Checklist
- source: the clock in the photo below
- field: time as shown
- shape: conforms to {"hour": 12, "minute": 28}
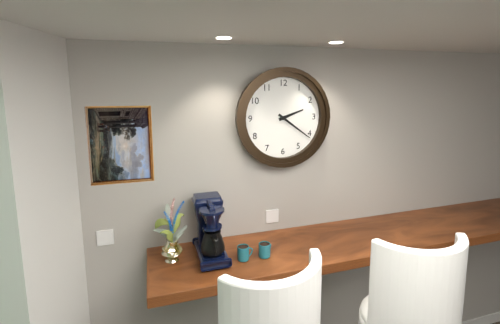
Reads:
{"hour": 2, "minute": 21}
